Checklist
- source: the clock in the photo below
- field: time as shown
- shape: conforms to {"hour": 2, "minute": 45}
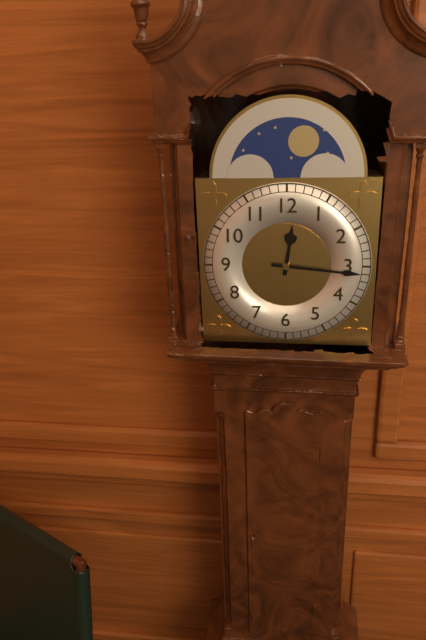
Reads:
{"hour": 12, "minute": 16}
